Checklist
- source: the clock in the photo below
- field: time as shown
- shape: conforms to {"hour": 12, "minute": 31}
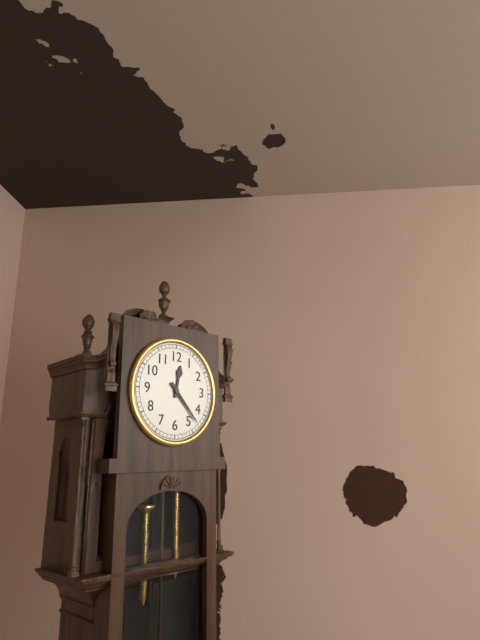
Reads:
{"hour": 12, "minute": 23}
